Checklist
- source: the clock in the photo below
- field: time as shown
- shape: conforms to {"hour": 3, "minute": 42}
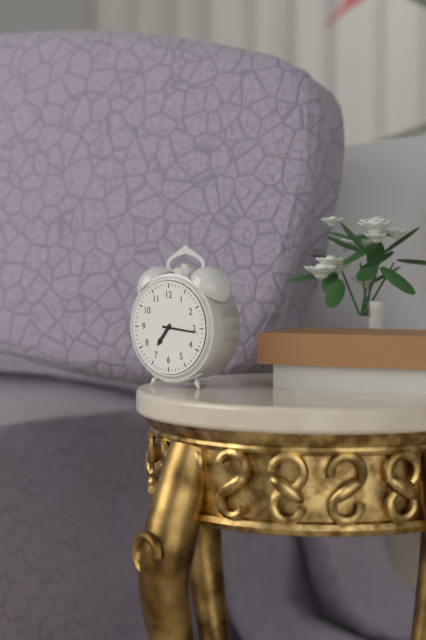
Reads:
{"hour": 7, "minute": 16}
